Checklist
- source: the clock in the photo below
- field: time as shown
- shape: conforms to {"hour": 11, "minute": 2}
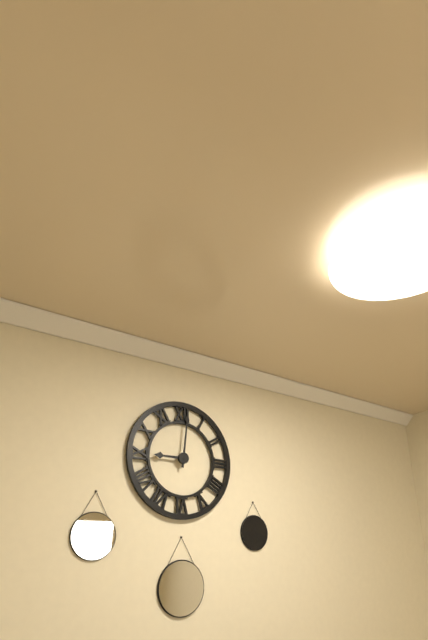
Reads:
{"hour": 9, "minute": 1}
